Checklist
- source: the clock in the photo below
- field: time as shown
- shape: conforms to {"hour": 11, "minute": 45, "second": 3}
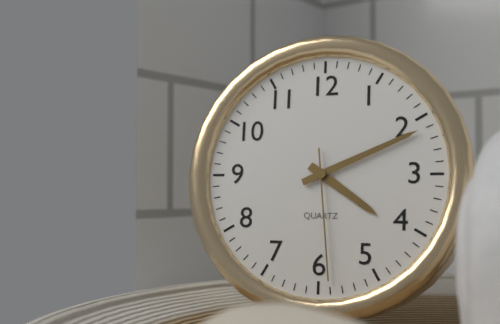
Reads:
{"hour": 4, "minute": 11, "second": 29}
